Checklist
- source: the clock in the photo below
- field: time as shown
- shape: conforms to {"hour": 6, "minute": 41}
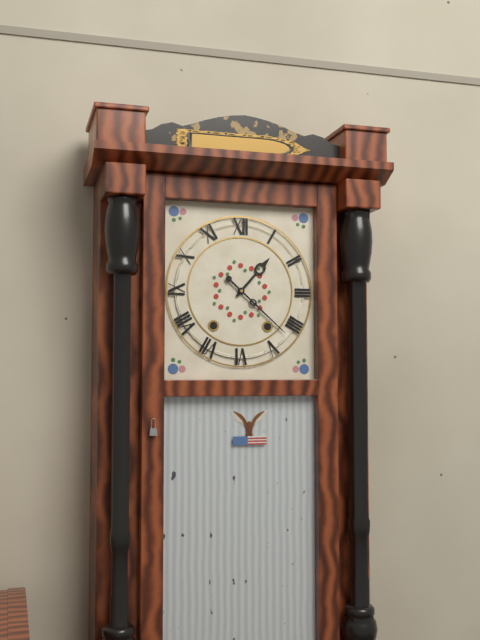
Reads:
{"hour": 1, "minute": 22}
